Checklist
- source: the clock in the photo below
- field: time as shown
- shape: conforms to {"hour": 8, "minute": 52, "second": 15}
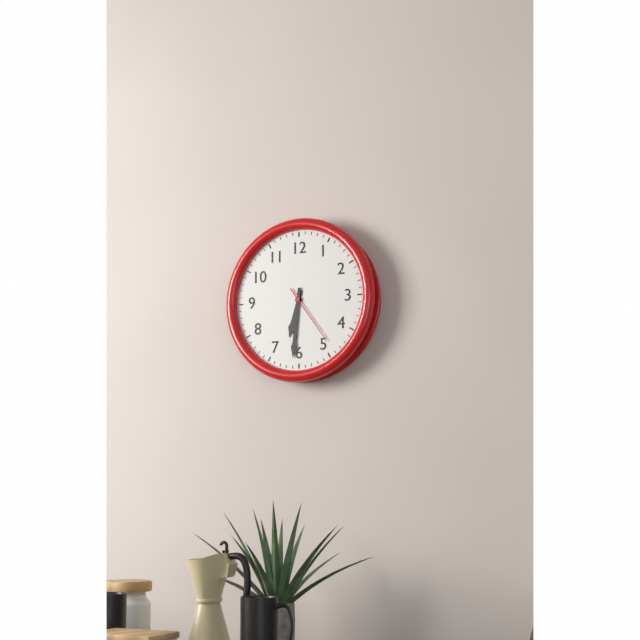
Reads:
{"hour": 6, "minute": 31, "second": 24}
